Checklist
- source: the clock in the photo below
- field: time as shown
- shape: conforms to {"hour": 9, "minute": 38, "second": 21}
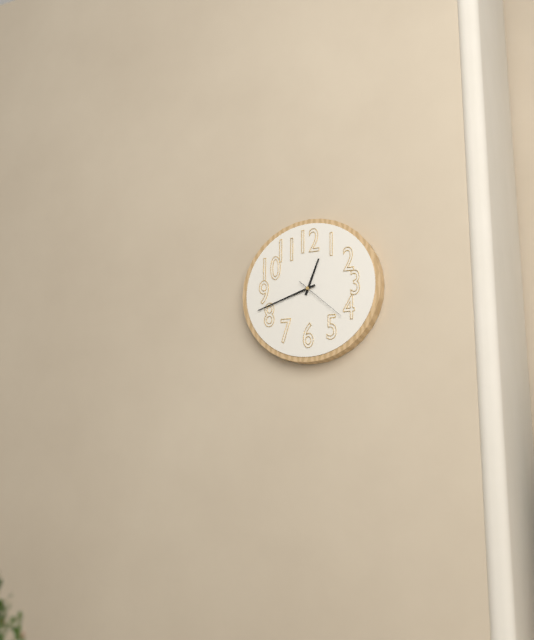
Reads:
{"hour": 12, "minute": 42, "second": 22}
